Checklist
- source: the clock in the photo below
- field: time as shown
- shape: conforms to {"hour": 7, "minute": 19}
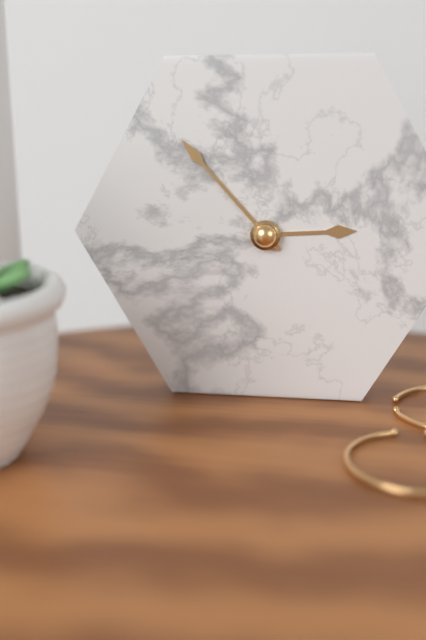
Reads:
{"hour": 2, "minute": 53}
